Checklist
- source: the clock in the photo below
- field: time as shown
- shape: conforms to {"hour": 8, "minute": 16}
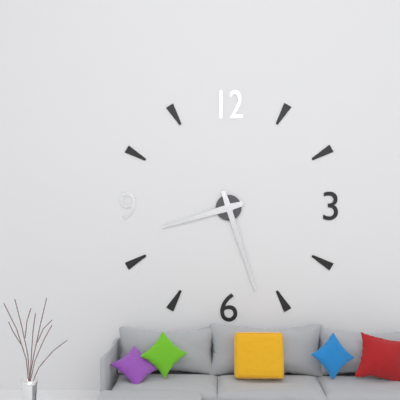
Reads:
{"hour": 8, "minute": 27}
